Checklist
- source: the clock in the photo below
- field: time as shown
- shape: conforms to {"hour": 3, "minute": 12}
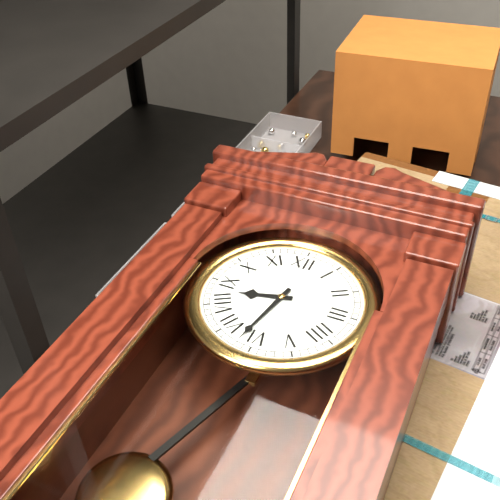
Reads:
{"hour": 8, "minute": 32}
